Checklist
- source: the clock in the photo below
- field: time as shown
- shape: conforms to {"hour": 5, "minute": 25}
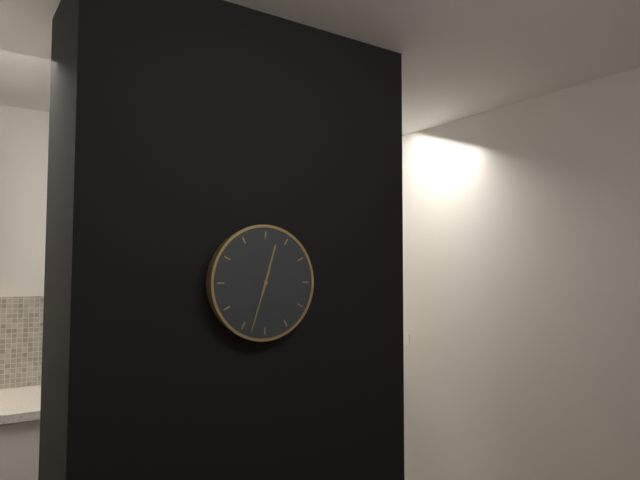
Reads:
{"hour": 12, "minute": 33}
